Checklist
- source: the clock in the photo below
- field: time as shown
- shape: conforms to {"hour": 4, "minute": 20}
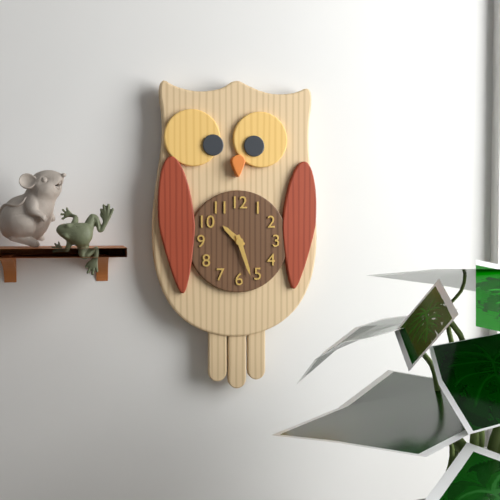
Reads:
{"hour": 10, "minute": 27}
